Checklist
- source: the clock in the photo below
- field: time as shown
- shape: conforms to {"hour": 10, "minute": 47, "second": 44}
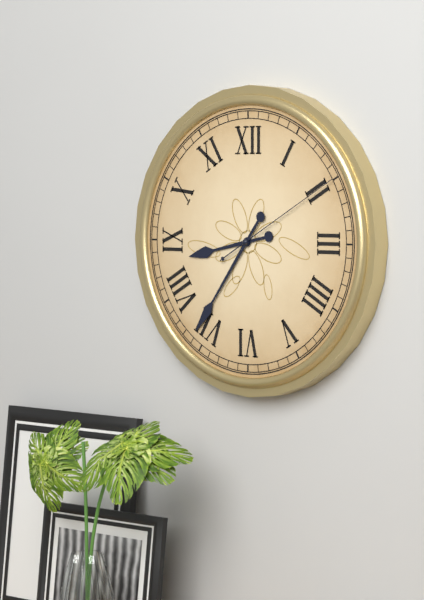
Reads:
{"hour": 8, "minute": 36, "second": 10}
